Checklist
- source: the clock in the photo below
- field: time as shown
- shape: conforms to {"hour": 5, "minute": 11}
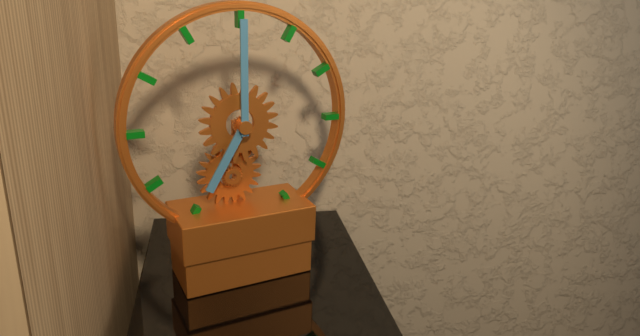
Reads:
{"hour": 7, "minute": 0}
